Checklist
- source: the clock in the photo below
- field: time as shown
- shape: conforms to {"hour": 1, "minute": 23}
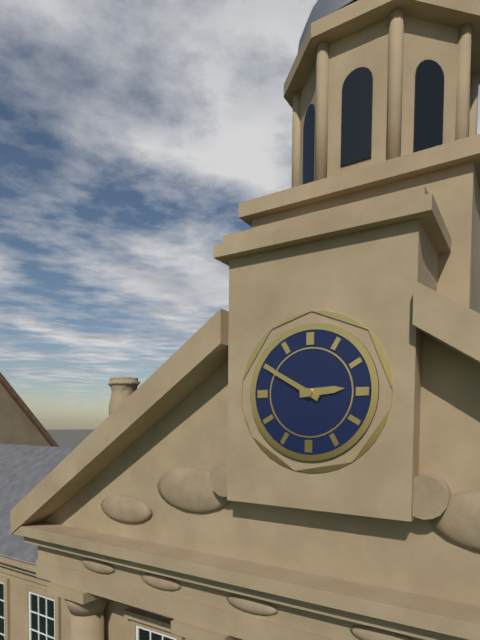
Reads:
{"hour": 2, "minute": 50}
